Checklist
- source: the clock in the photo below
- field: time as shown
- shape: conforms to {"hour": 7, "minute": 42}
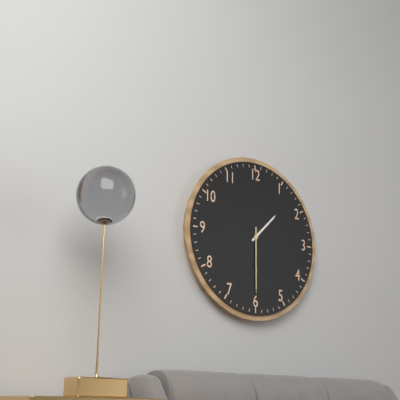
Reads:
{"hour": 1, "minute": 30}
